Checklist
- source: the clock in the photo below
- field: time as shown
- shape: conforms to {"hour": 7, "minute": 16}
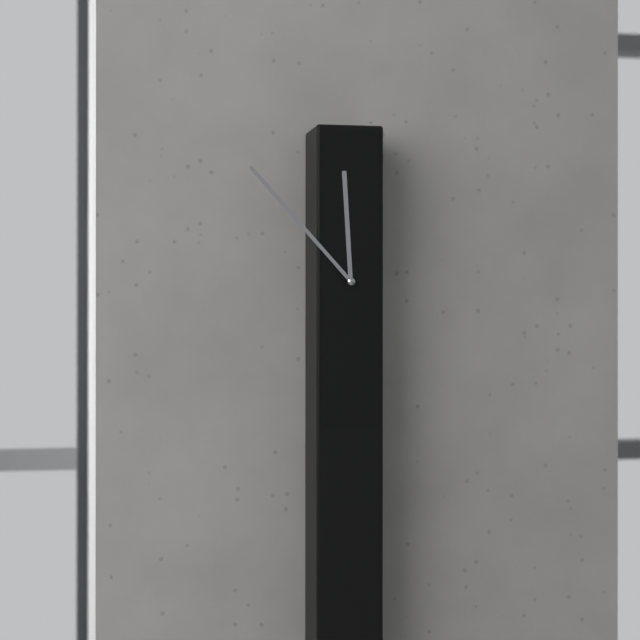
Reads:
{"hour": 11, "minute": 53}
